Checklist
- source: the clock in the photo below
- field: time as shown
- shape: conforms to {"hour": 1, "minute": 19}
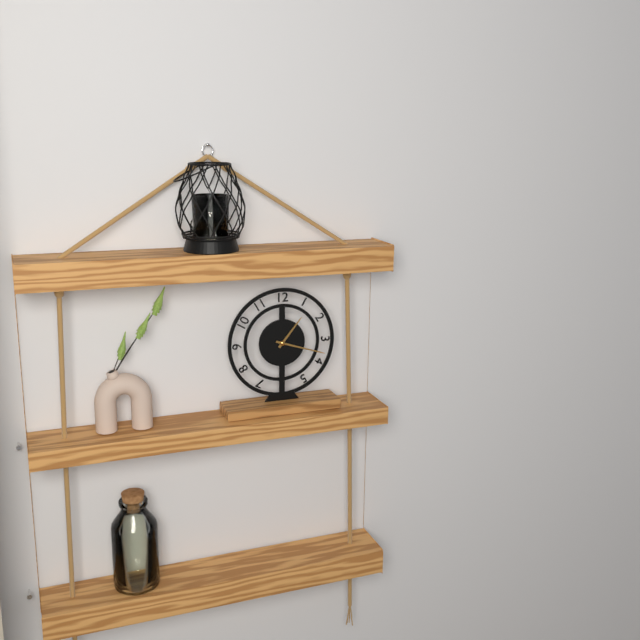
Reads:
{"hour": 1, "minute": 18}
